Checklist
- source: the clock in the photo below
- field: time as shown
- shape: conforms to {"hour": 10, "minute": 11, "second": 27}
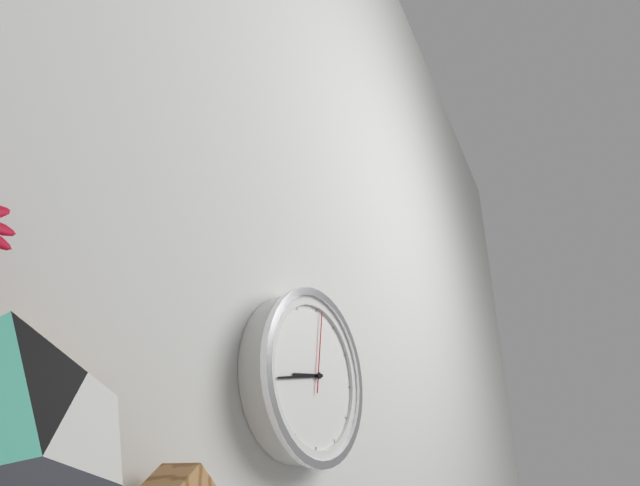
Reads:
{"hour": 8, "minute": 43, "second": 1}
